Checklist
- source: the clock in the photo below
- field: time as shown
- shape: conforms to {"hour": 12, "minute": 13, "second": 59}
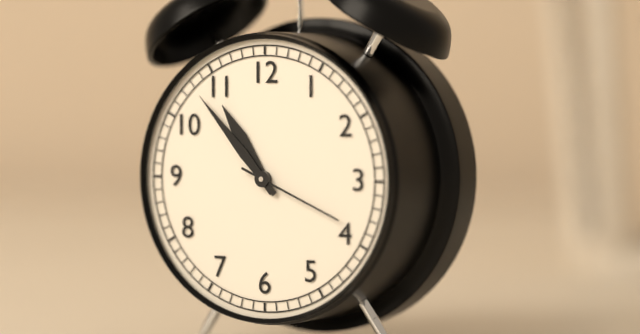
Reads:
{"hour": 10, "minute": 53, "second": 19}
